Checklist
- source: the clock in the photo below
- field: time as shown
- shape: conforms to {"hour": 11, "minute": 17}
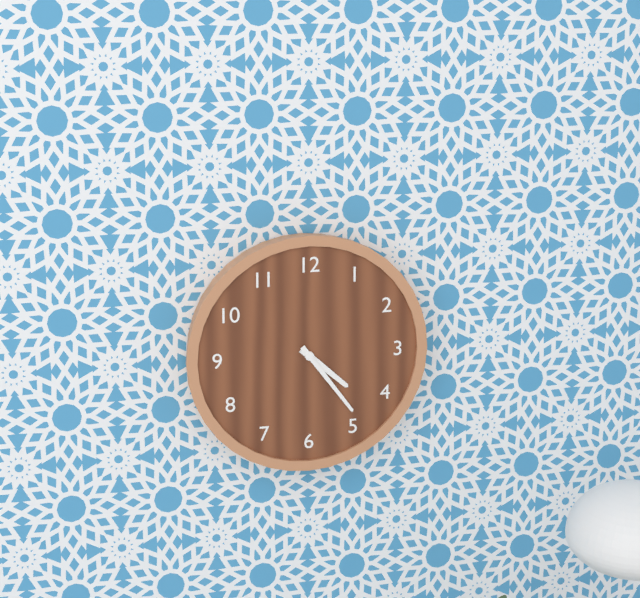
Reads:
{"hour": 4, "minute": 24}
